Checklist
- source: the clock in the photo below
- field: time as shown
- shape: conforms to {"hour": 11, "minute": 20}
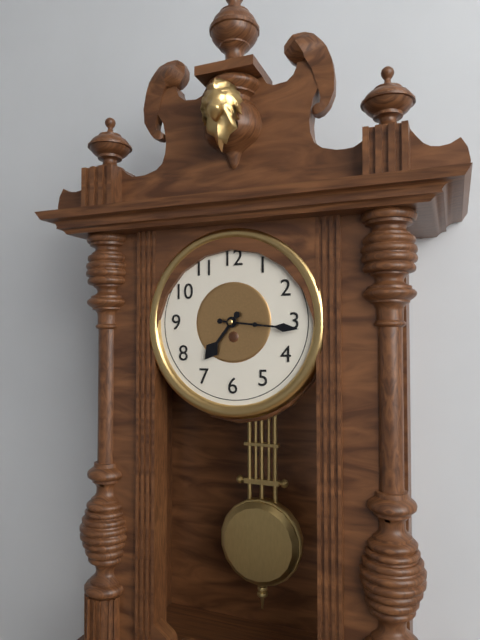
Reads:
{"hour": 7, "minute": 16}
